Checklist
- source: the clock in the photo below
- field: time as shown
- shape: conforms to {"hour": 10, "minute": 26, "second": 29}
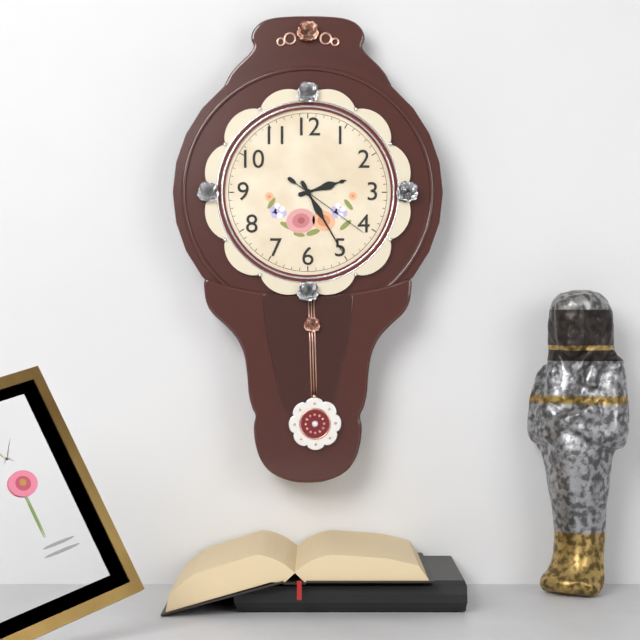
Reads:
{"hour": 2, "minute": 25, "second": 21}
